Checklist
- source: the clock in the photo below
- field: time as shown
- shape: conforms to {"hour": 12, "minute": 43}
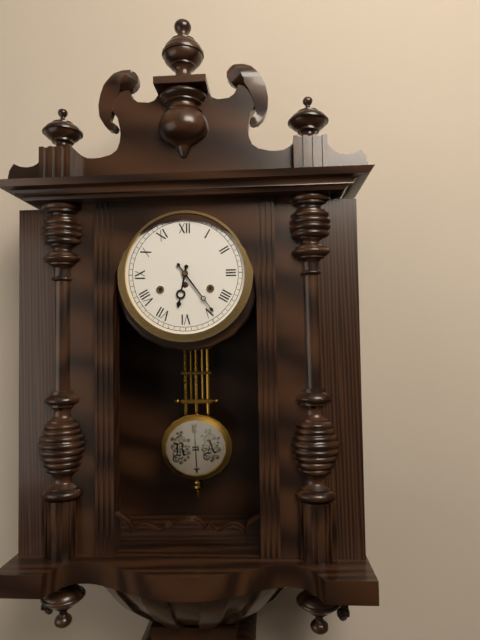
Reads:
{"hour": 6, "minute": 24}
